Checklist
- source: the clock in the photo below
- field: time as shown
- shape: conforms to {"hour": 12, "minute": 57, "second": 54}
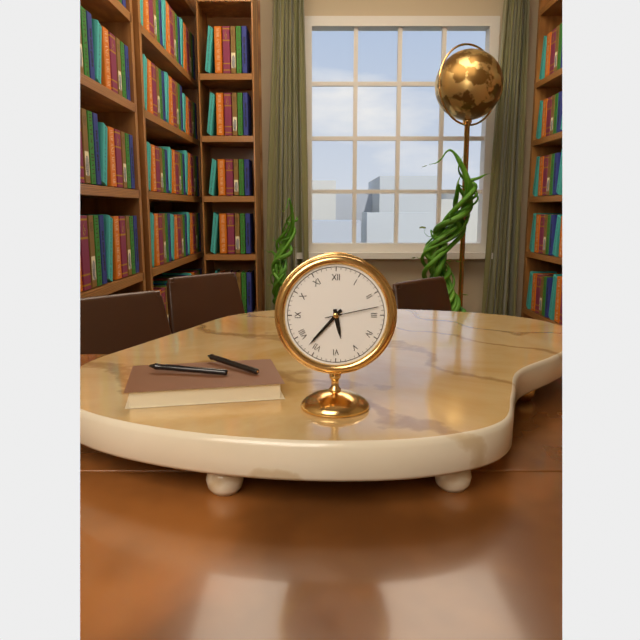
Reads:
{"hour": 5, "minute": 37, "second": 13}
